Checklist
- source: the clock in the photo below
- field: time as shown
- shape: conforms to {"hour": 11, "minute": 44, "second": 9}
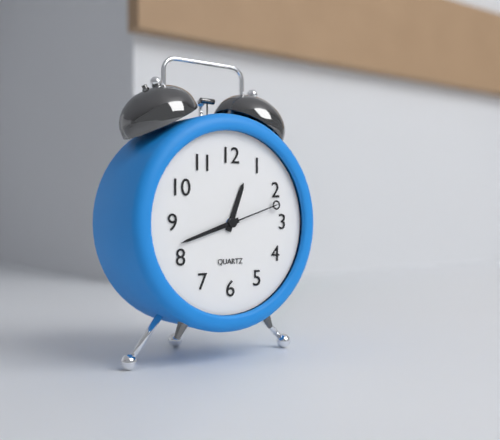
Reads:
{"hour": 12, "minute": 42, "second": 12}
